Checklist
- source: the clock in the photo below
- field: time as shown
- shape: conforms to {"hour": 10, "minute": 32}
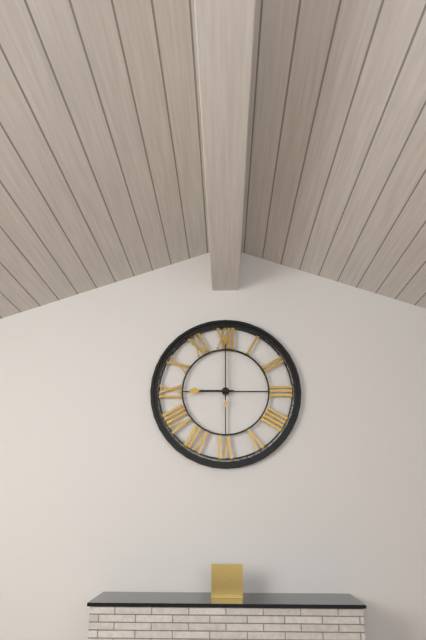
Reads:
{"hour": 9, "minute": 0}
